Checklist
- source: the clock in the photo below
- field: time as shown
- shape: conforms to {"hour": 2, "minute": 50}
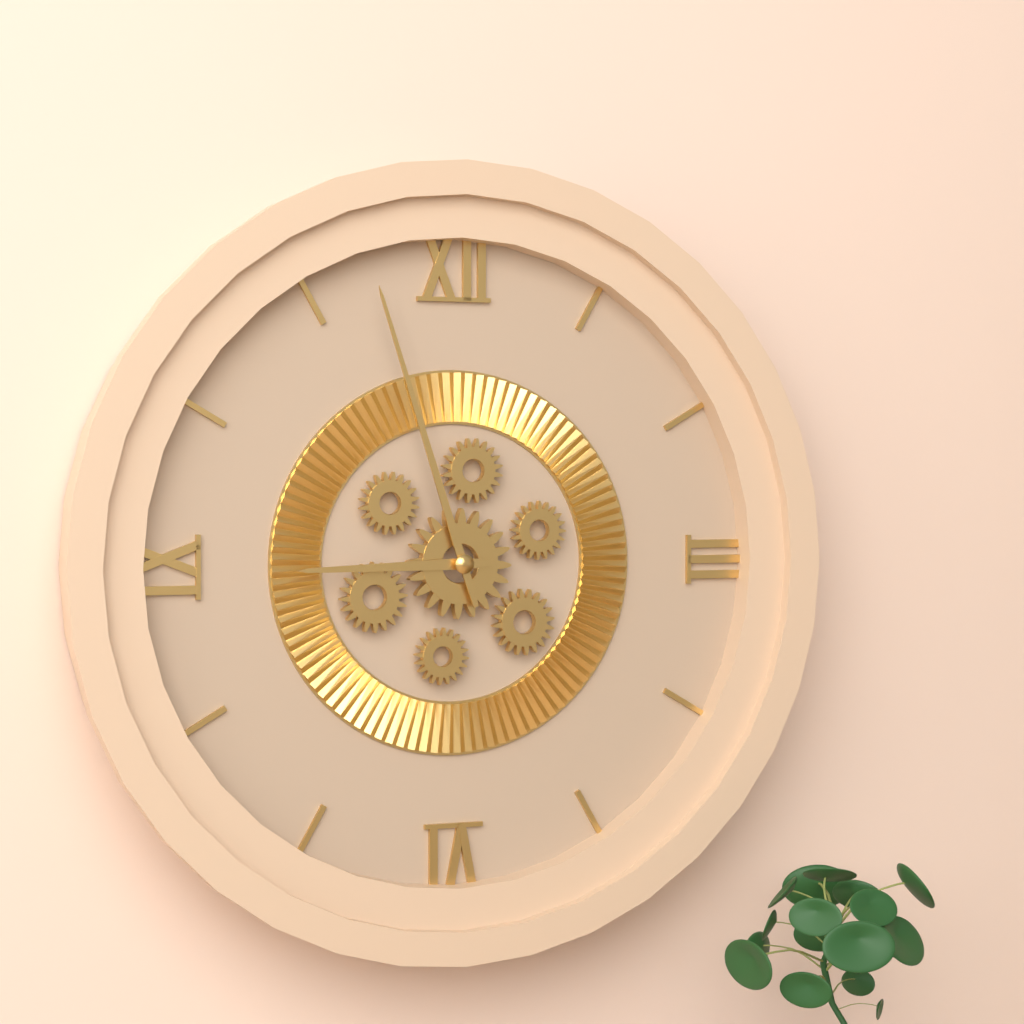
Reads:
{"hour": 8, "minute": 57}
